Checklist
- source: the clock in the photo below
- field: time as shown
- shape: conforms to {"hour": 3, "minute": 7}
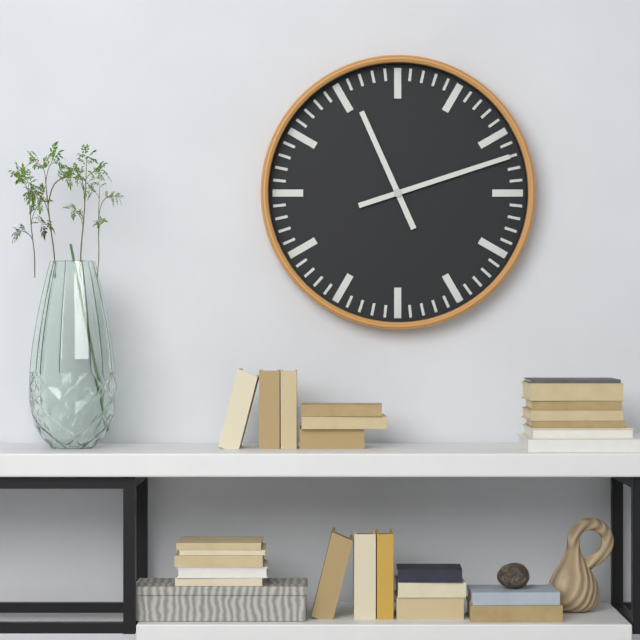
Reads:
{"hour": 11, "minute": 12}
